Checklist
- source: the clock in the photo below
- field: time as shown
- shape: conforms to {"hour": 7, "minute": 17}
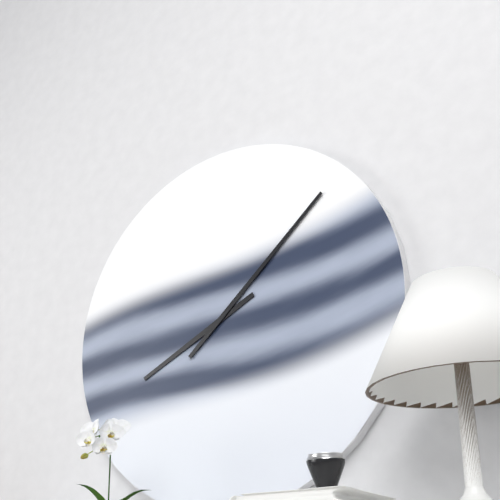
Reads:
{"hour": 8, "minute": 8}
